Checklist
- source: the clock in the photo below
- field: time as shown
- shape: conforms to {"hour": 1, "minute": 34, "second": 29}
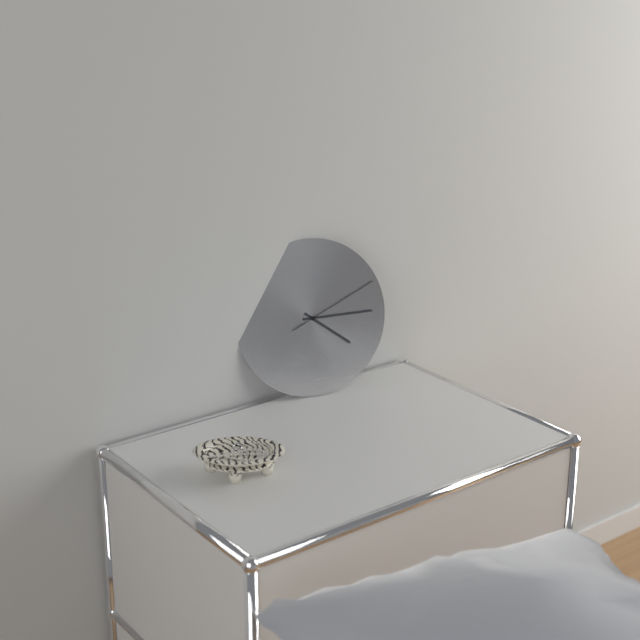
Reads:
{"hour": 4, "minute": 15, "second": 11}
